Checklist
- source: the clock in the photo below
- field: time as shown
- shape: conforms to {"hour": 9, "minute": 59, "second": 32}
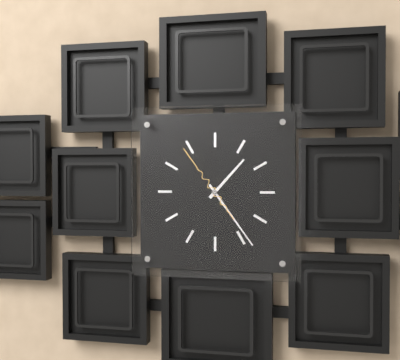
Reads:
{"hour": 1, "minute": 24, "second": 54}
